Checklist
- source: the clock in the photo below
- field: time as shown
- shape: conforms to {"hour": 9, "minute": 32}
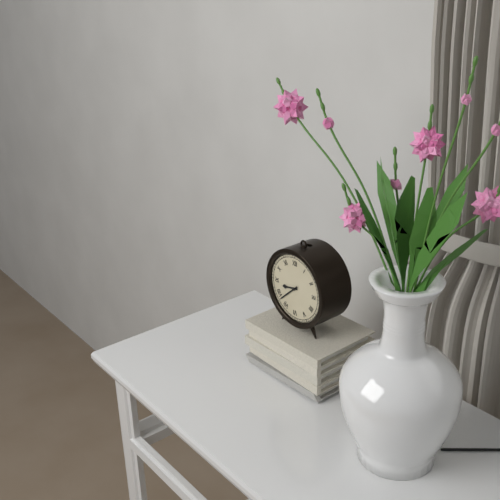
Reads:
{"hour": 8, "minute": 38}
